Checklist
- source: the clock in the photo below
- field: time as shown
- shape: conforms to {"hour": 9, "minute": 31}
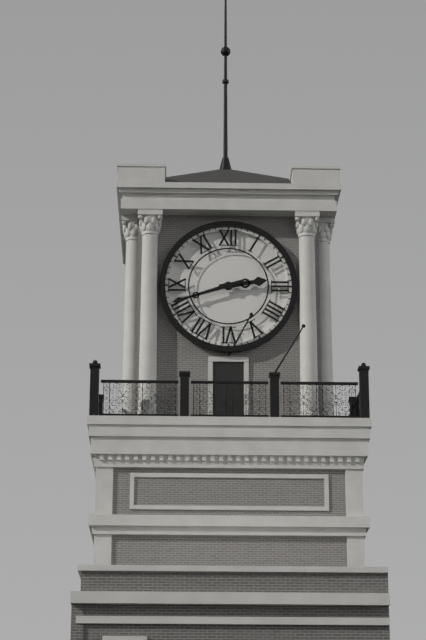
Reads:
{"hour": 2, "minute": 42}
